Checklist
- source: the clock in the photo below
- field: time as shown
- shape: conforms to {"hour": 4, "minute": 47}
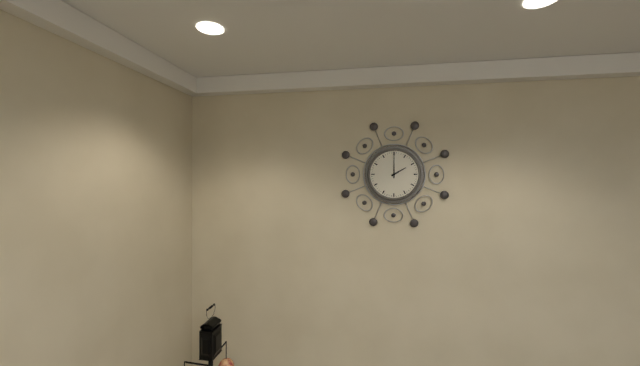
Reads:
{"hour": 2, "minute": 0}
